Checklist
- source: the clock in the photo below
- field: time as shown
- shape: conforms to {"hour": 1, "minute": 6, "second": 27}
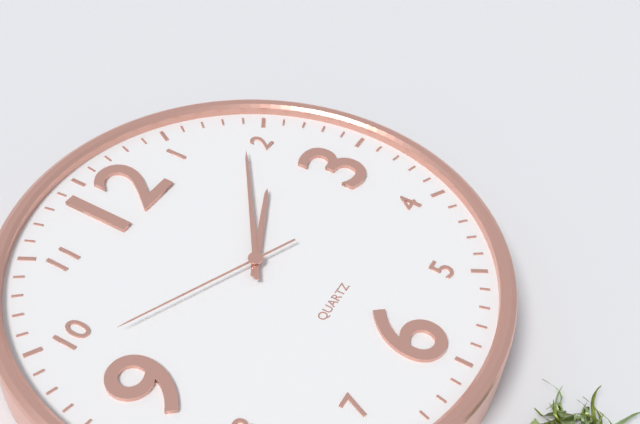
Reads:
{"hour": 2, "minute": 9, "second": 49}
